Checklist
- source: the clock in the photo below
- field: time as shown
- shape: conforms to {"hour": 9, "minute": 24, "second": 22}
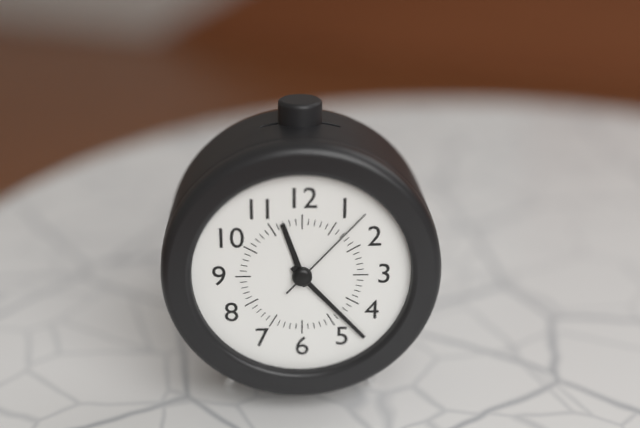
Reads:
{"hour": 11, "minute": 23, "second": 7}
